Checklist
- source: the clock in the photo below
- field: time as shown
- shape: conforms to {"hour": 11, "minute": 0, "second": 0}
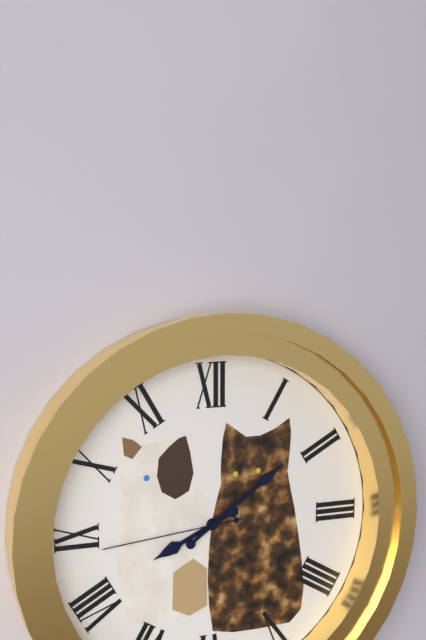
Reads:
{"hour": 8, "minute": 9, "second": 44}
